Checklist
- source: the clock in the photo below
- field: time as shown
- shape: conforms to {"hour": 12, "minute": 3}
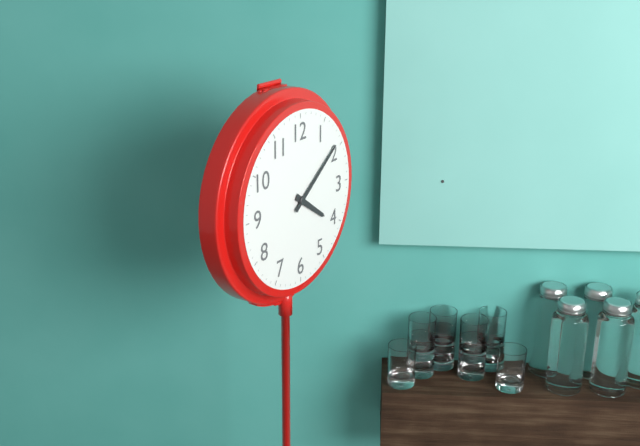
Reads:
{"hour": 4, "minute": 9}
